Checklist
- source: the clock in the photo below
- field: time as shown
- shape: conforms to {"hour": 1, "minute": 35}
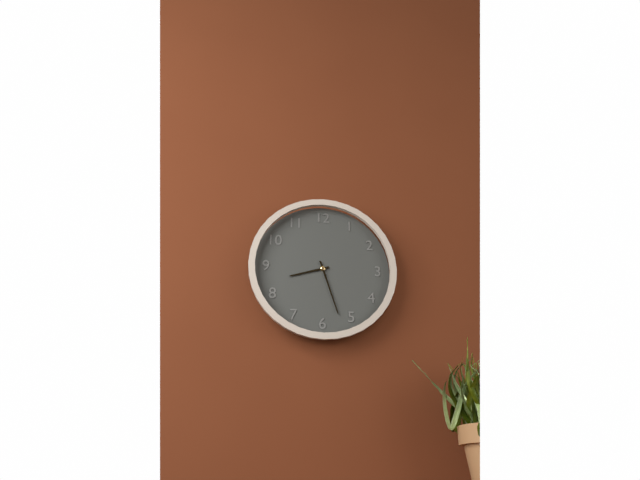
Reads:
{"hour": 8, "minute": 27}
